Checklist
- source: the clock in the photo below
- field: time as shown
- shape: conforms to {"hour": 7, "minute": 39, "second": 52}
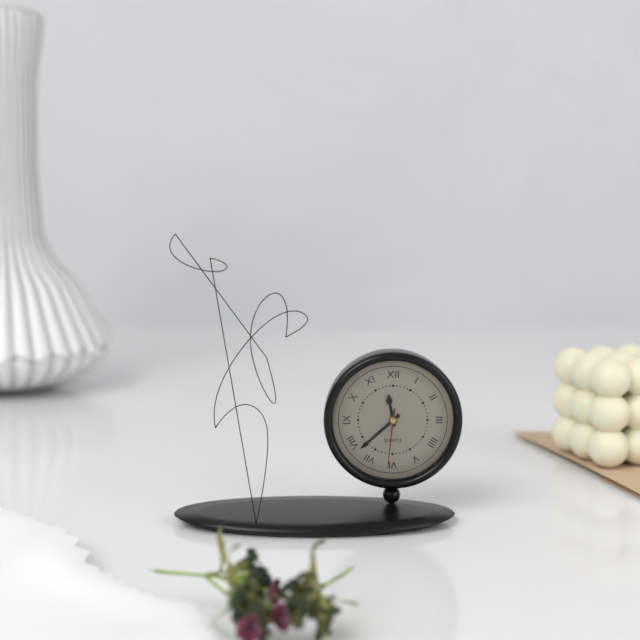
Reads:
{"hour": 11, "minute": 38, "second": 31}
